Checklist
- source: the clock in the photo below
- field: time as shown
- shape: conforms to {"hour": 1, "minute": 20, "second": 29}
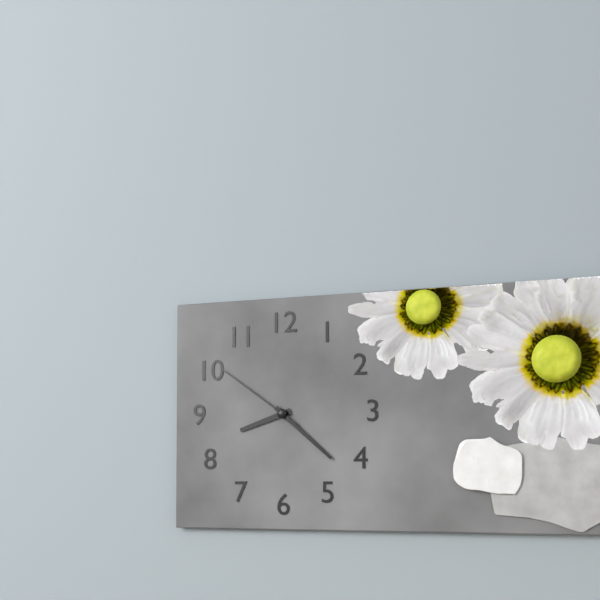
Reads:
{"hour": 8, "minute": 22, "second": 51}
